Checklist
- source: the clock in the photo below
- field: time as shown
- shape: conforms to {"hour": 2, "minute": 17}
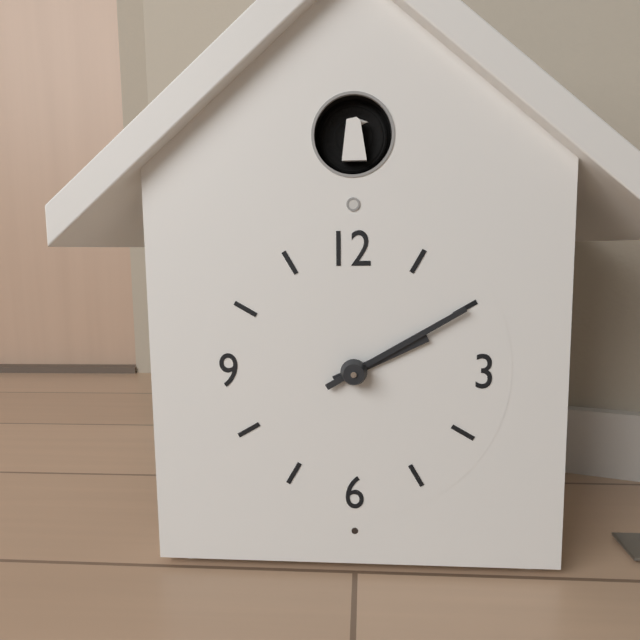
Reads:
{"hour": 2, "minute": 10}
